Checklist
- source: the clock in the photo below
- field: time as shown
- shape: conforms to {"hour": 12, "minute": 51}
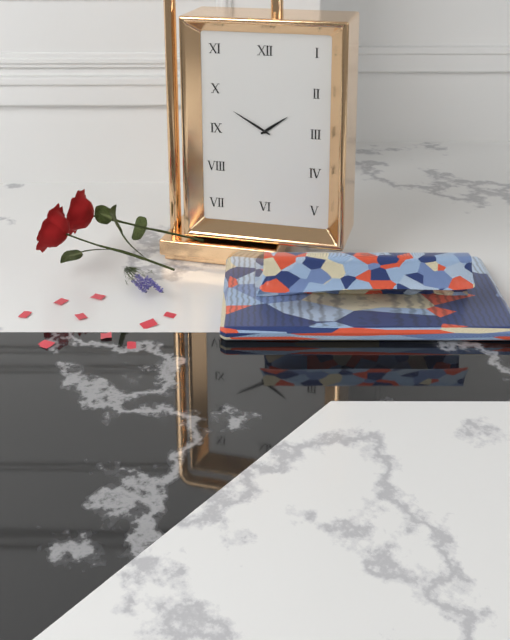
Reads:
{"hour": 1, "minute": 50}
